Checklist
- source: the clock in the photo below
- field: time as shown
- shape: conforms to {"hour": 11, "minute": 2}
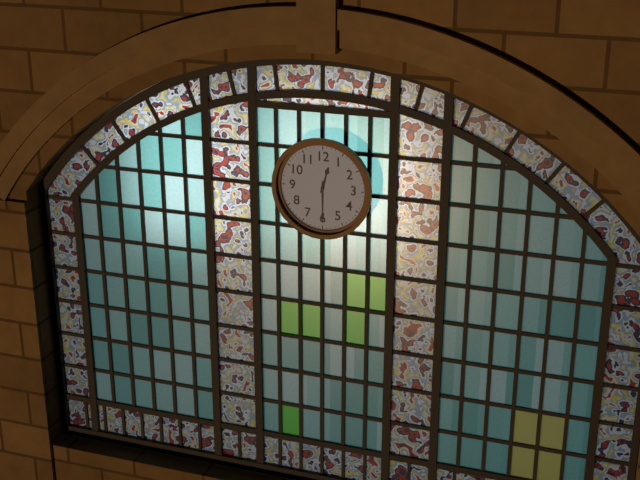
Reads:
{"hour": 12, "minute": 30}
